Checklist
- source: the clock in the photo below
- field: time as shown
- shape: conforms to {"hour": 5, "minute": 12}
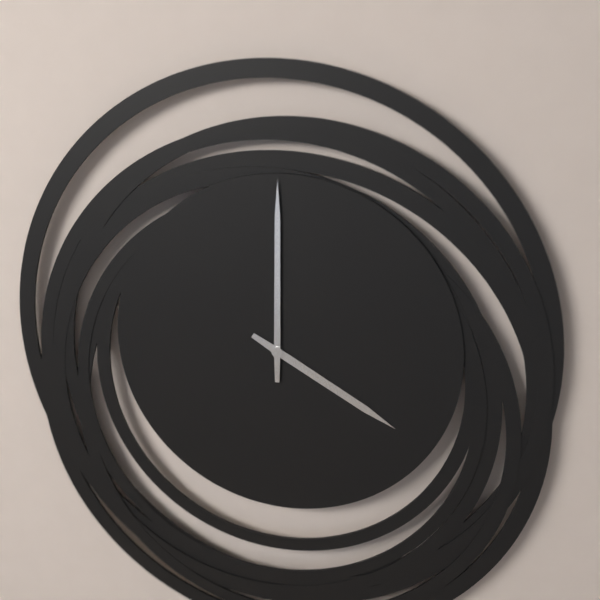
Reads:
{"hour": 4, "minute": 0}
